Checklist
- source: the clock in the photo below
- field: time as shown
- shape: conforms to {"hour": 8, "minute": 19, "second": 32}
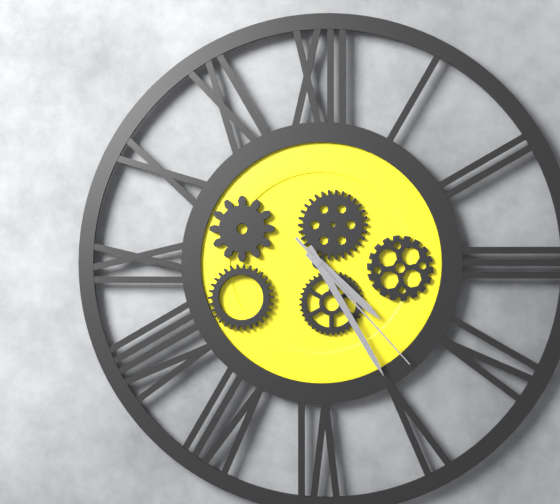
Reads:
{"hour": 4, "minute": 25, "second": 23}
